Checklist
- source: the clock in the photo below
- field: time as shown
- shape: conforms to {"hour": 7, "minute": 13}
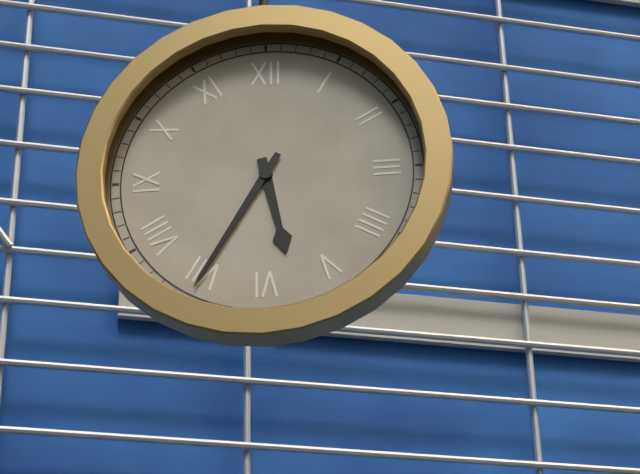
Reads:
{"hour": 5, "minute": 35}
